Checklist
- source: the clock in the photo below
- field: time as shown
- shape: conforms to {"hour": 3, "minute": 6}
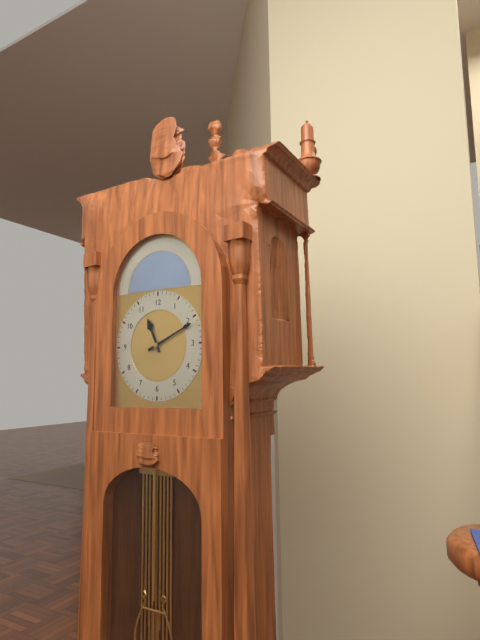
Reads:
{"hour": 11, "minute": 11}
